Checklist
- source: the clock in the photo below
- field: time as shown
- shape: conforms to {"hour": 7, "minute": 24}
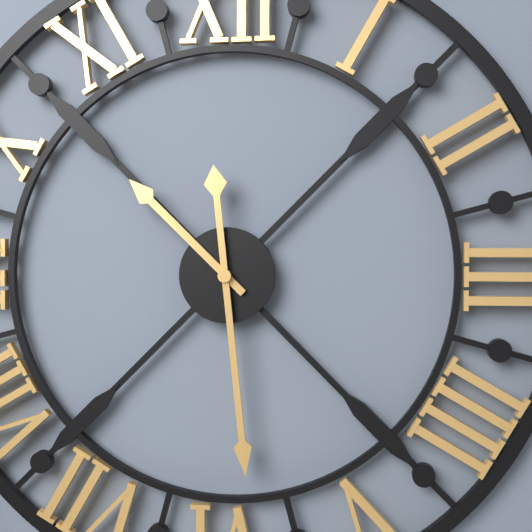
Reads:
{"hour": 10, "minute": 29}
